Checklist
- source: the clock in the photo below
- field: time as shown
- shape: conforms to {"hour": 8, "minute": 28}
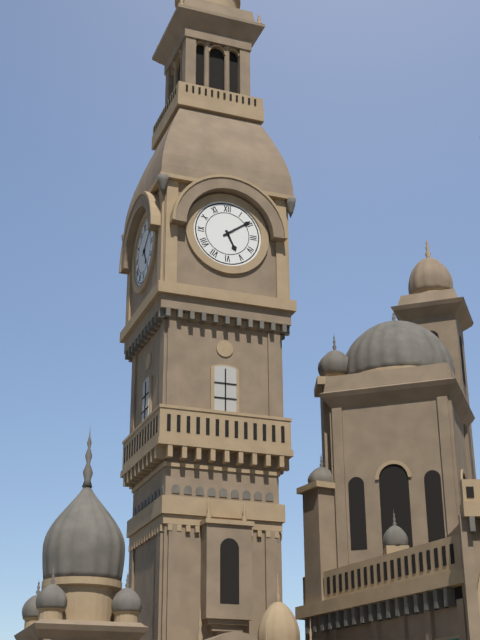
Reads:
{"hour": 5, "minute": 9}
